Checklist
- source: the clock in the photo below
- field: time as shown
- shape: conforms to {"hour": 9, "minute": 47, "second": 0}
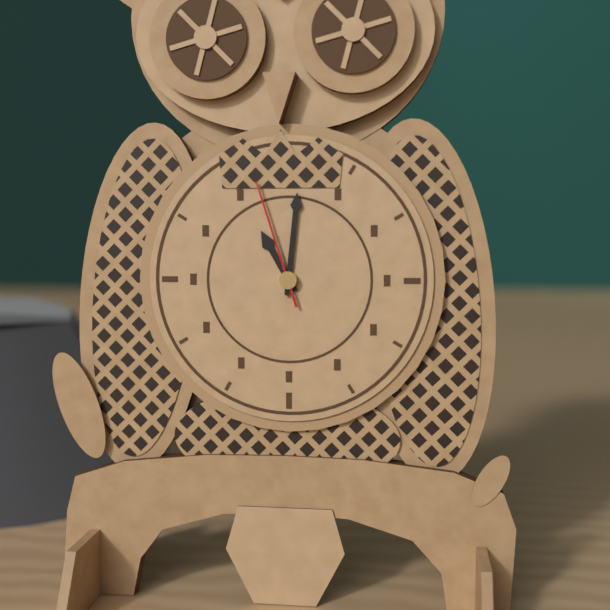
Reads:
{"hour": 11, "minute": 1, "second": 57}
